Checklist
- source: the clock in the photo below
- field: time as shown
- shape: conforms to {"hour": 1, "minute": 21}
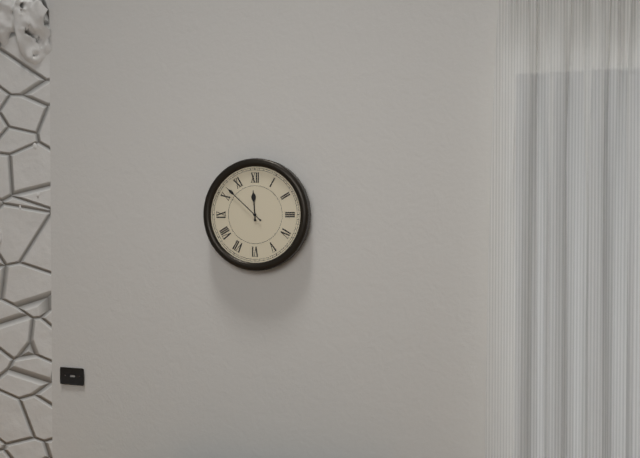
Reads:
{"hour": 11, "minute": 52}
